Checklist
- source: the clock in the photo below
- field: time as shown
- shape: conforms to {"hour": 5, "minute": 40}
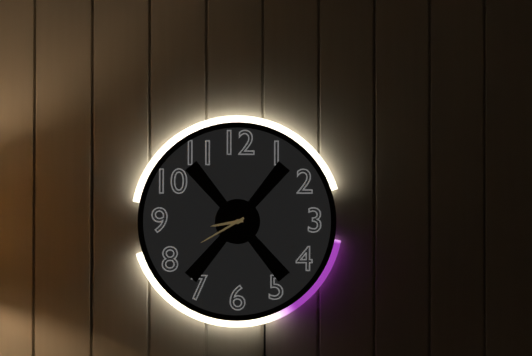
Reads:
{"hour": 8, "minute": 40}
